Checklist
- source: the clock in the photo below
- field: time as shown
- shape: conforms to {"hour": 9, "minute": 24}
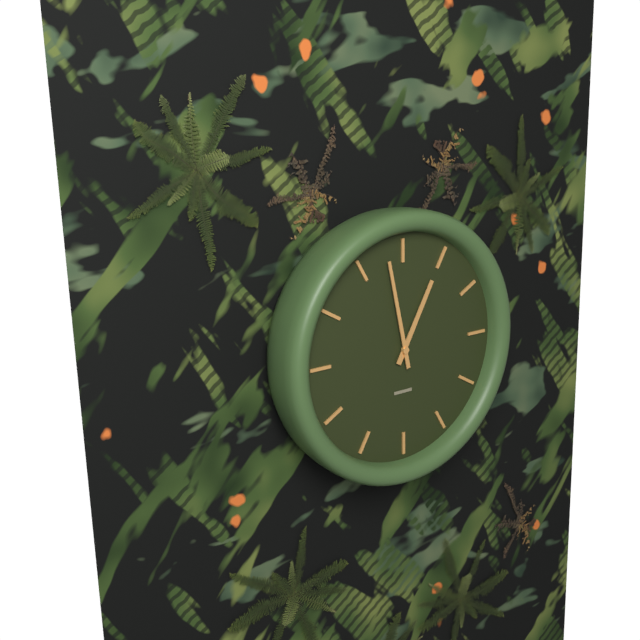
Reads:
{"hour": 12, "minute": 58}
